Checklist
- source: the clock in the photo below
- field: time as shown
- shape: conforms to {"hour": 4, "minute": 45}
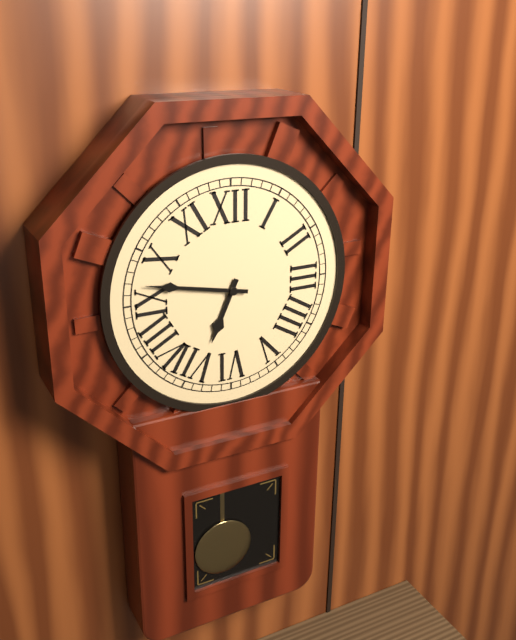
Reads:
{"hour": 6, "minute": 47}
